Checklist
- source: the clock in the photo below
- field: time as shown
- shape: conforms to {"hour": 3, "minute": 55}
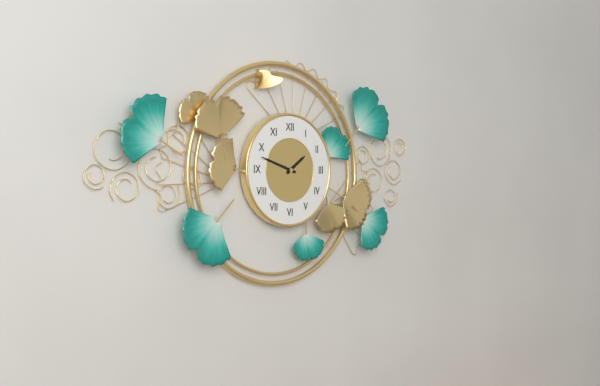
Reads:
{"hour": 1, "minute": 48}
